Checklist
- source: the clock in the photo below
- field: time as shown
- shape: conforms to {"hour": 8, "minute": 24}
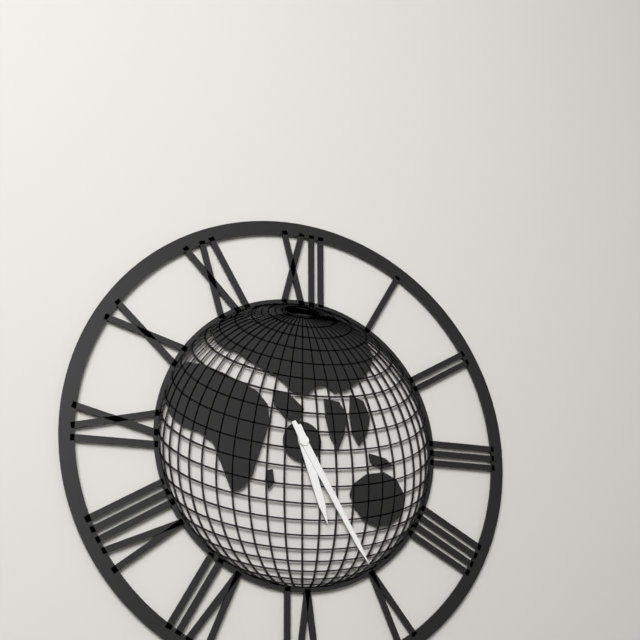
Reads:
{"hour": 5, "minute": 25}
